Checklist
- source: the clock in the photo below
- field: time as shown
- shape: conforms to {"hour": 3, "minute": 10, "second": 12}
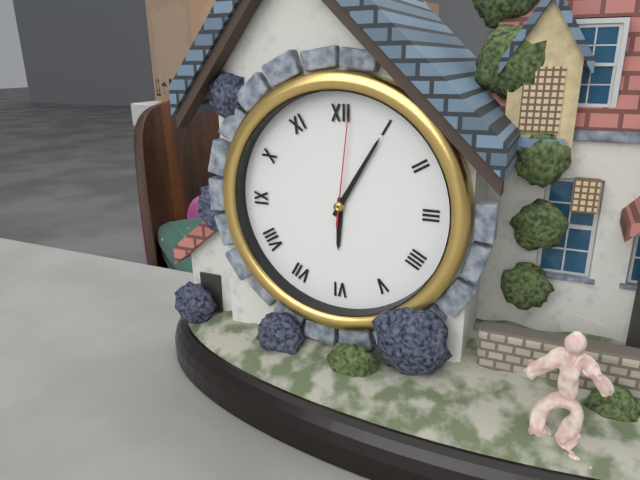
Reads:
{"hour": 6, "minute": 5, "second": 1}
